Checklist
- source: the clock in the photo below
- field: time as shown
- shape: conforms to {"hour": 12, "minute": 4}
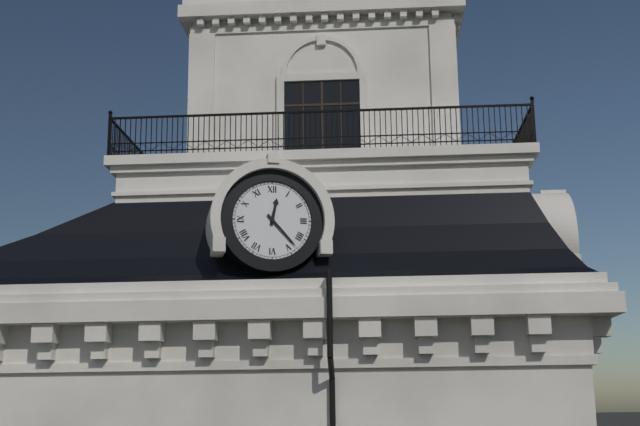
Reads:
{"hour": 12, "minute": 23}
